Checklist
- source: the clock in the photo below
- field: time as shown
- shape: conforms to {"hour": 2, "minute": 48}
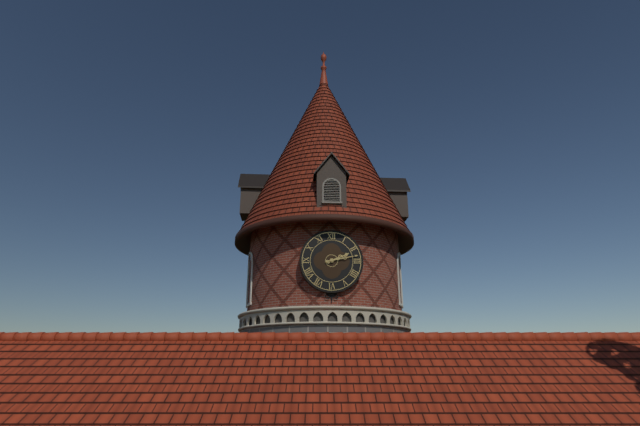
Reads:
{"hour": 2, "minute": 13}
